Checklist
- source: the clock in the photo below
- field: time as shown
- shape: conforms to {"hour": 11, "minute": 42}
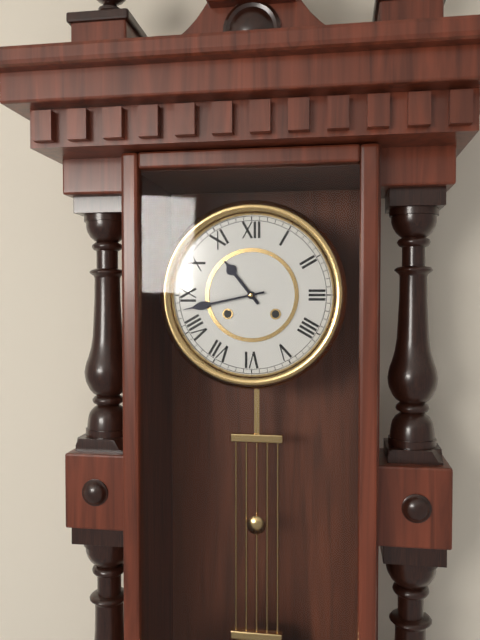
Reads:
{"hour": 10, "minute": 43}
